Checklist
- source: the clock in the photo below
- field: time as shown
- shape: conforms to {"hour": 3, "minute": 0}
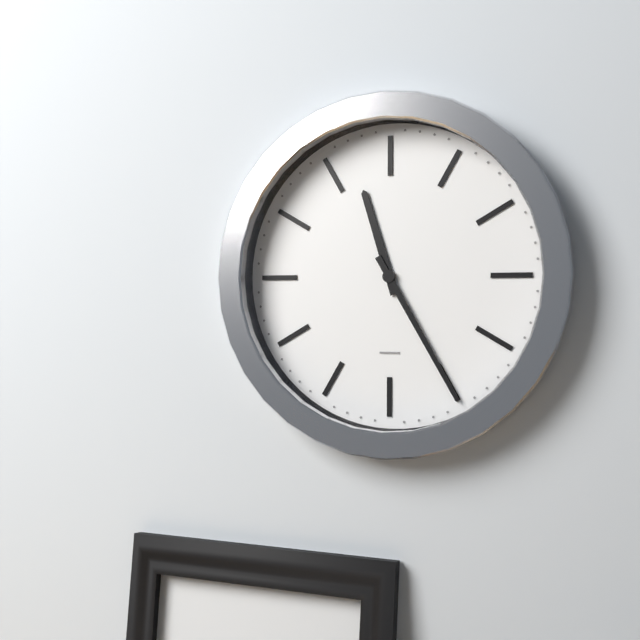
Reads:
{"hour": 11, "minute": 25}
